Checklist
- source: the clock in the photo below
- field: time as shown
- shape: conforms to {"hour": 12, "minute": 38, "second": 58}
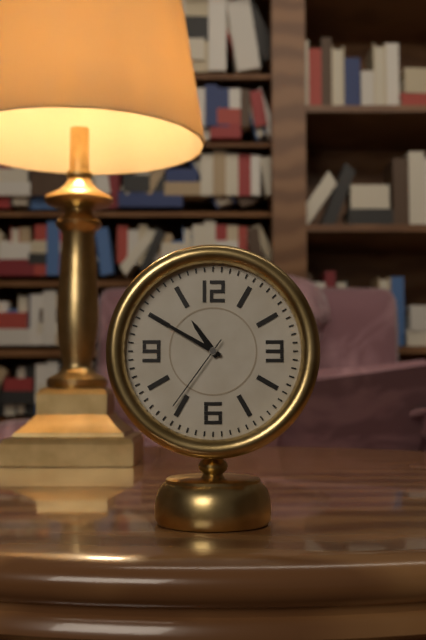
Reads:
{"hour": 10, "minute": 50, "second": 36}
